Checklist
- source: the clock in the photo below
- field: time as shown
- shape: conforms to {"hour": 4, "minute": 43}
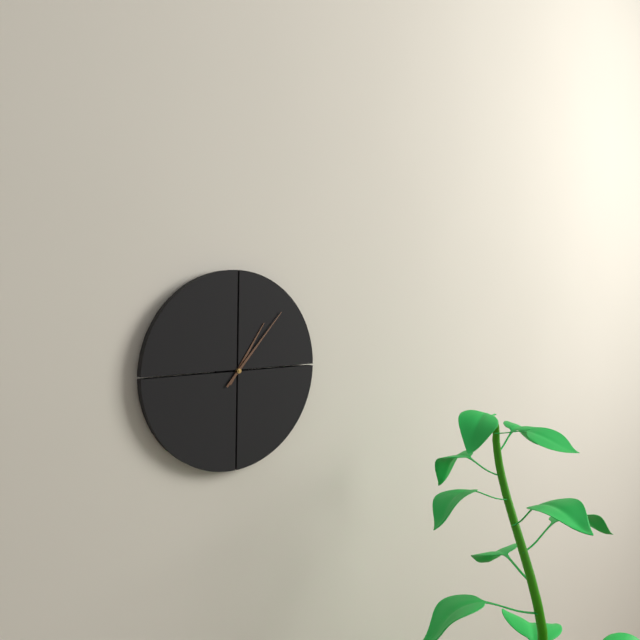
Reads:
{"hour": 1, "minute": 7}
